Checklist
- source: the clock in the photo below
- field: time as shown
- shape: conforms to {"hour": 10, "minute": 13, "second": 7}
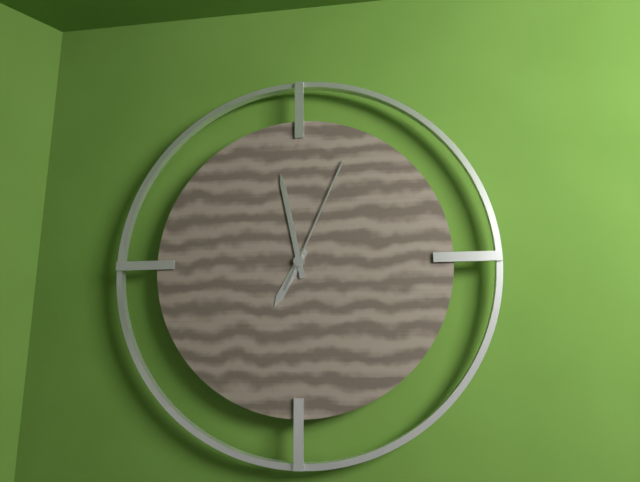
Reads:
{"hour": 6, "minute": 58, "second": 4}
